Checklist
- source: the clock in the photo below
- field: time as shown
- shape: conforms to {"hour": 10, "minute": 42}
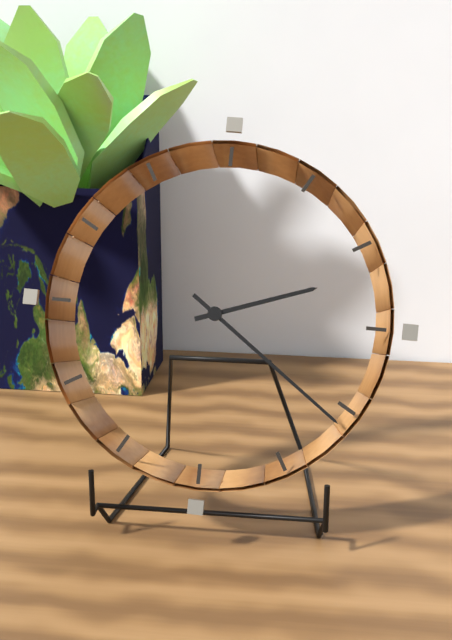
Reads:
{"hour": 2, "minute": 21}
